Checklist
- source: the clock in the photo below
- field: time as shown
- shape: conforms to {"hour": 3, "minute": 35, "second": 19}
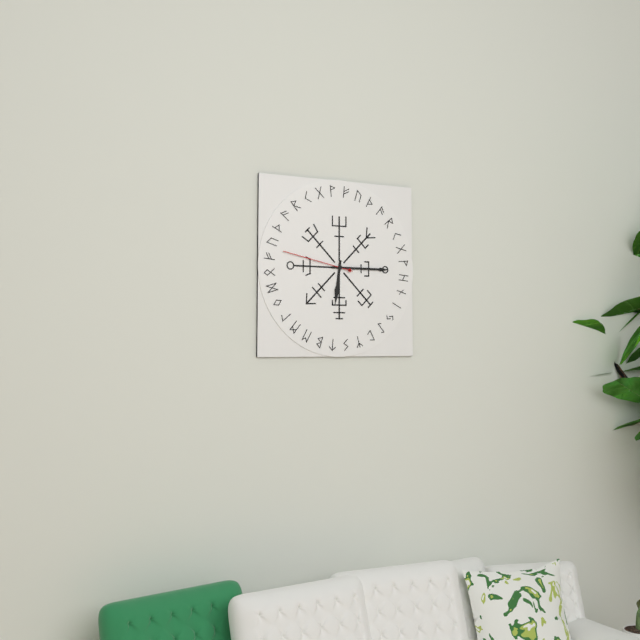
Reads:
{"hour": 6, "minute": 15, "second": 47}
